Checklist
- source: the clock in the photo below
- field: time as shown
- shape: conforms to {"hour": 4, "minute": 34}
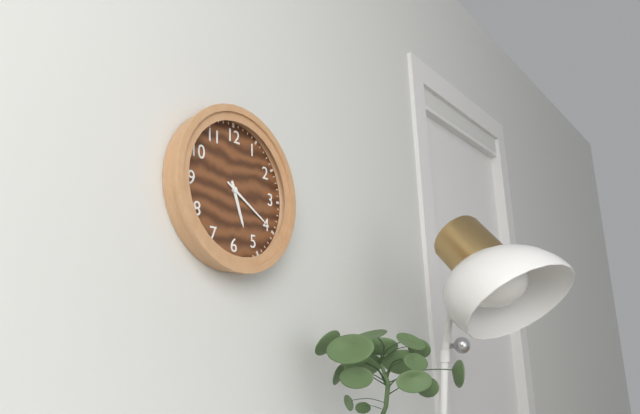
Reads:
{"hour": 5, "minute": 20}
